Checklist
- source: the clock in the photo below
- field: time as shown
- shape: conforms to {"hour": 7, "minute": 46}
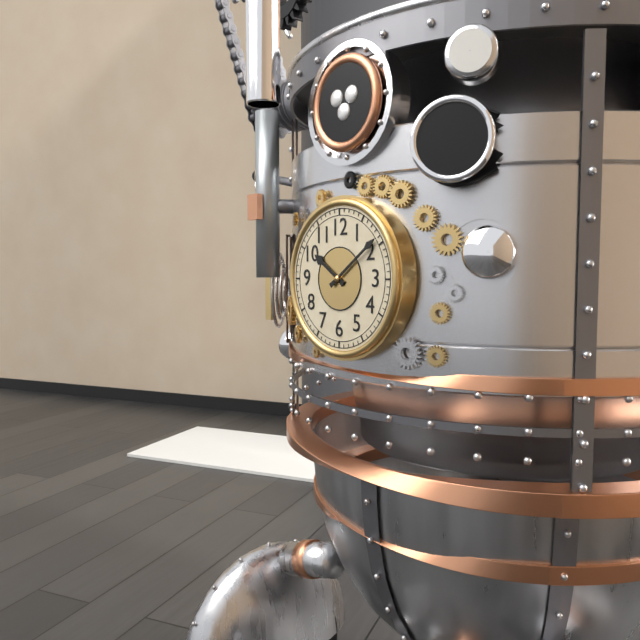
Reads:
{"hour": 10, "minute": 9}
